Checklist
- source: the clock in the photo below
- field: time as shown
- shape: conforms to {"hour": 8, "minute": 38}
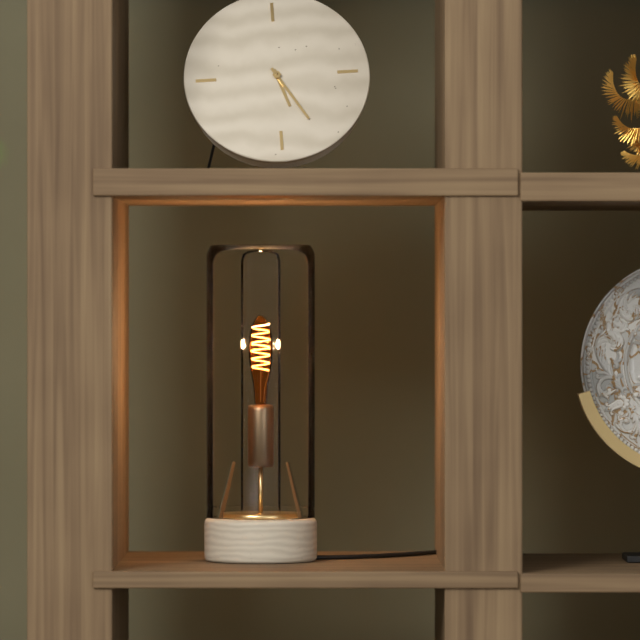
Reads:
{"hour": 5, "minute": 25}
